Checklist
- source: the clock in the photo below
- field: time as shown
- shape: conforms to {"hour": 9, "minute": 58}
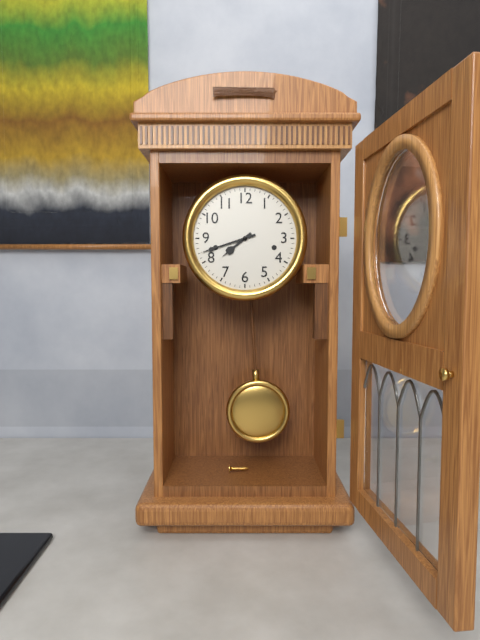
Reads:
{"hour": 7, "minute": 42}
